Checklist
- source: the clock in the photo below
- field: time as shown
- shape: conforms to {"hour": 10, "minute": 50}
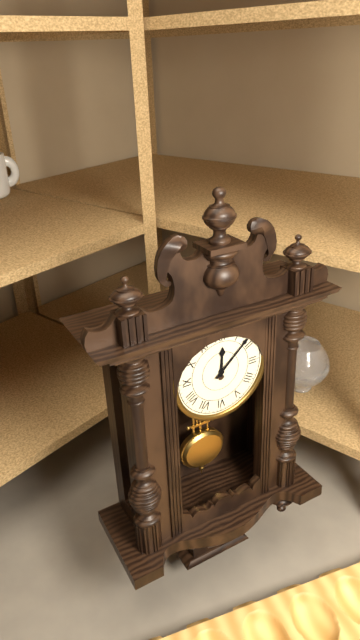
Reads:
{"hour": 12, "minute": 8}
